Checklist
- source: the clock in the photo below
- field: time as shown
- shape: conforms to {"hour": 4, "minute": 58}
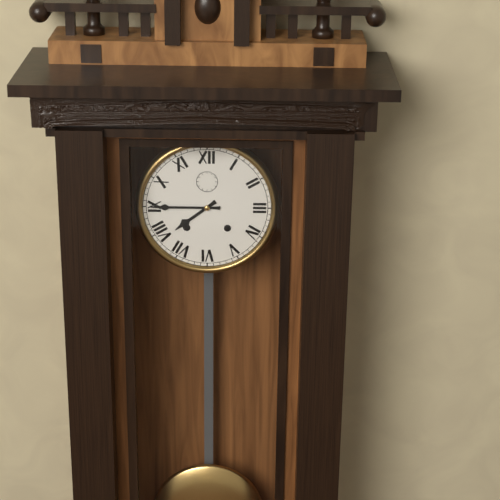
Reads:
{"hour": 7, "minute": 45}
